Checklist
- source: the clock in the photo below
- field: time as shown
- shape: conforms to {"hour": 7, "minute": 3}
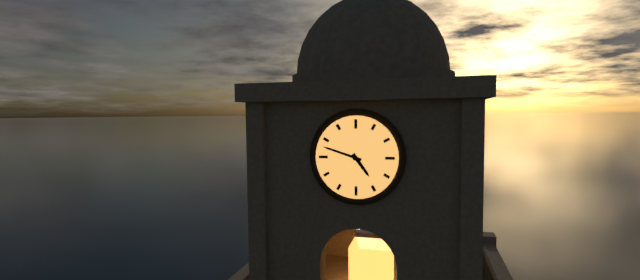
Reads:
{"hour": 4, "minute": 48}
